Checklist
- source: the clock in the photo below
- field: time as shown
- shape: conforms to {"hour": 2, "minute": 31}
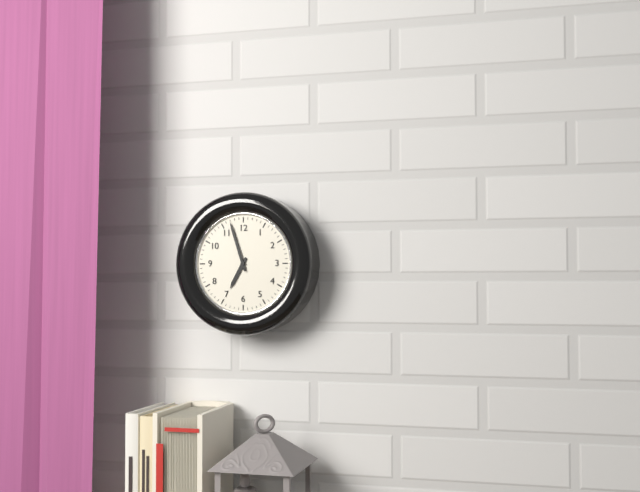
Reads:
{"hour": 6, "minute": 57}
